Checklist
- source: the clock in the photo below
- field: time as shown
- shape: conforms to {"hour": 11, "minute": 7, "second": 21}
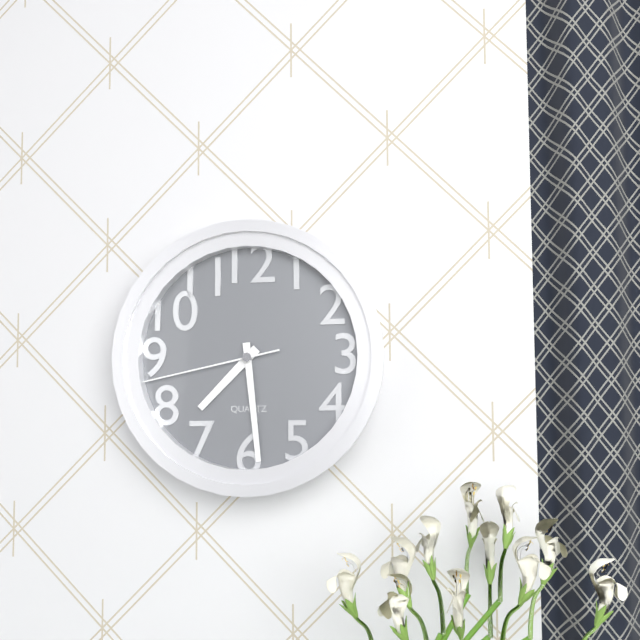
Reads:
{"hour": 7, "minute": 29, "second": 43}
